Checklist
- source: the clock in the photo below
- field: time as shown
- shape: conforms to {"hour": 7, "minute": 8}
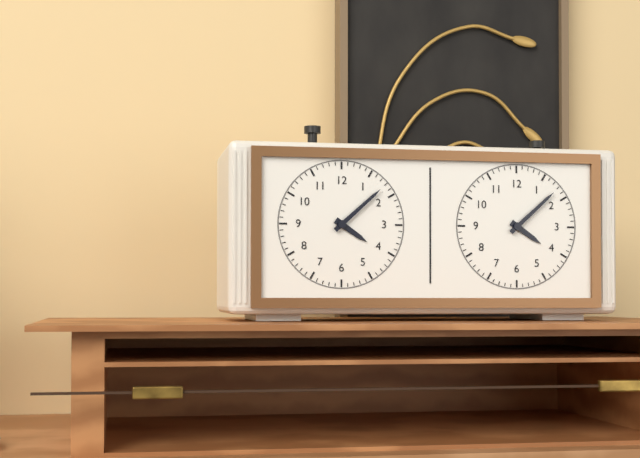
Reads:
{"hour": 4, "minute": 8}
